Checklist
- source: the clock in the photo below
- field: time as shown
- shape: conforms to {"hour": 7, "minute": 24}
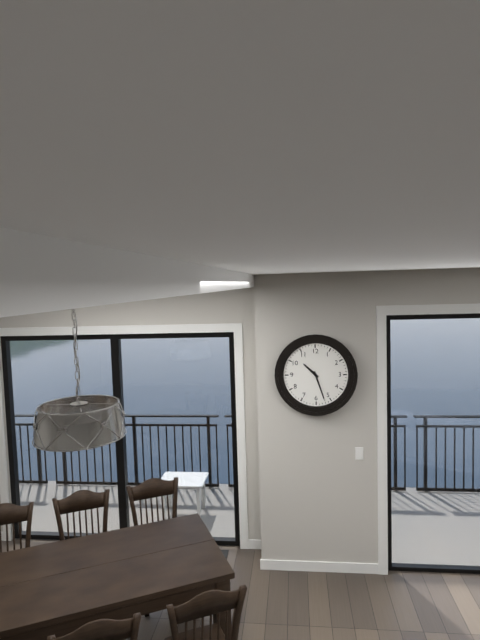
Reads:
{"hour": 10, "minute": 27}
